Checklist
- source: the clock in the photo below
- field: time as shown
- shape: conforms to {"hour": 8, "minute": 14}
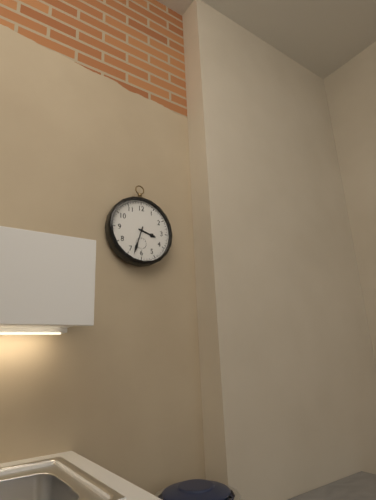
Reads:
{"hour": 3, "minute": 33}
